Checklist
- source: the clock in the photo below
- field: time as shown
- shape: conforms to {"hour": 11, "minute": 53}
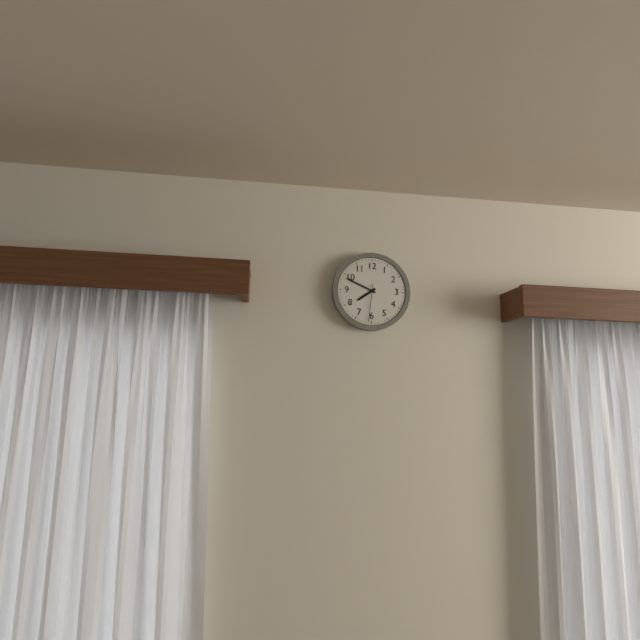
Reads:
{"hour": 7, "minute": 49}
